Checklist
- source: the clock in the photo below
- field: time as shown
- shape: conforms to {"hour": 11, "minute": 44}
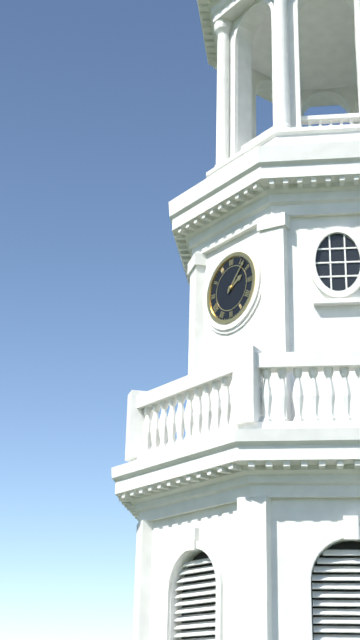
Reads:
{"hour": 2, "minute": 7}
